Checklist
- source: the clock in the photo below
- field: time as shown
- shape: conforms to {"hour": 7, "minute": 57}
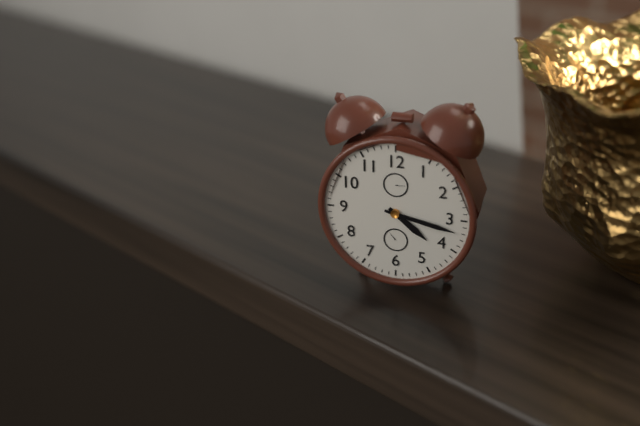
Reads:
{"hour": 4, "minute": 17}
